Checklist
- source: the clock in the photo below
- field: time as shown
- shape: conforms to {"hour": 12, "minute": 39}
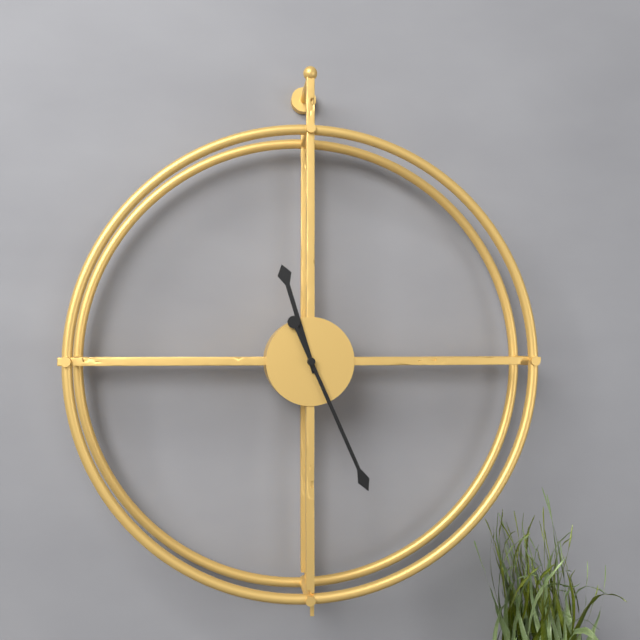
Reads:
{"hour": 11, "minute": 26}
